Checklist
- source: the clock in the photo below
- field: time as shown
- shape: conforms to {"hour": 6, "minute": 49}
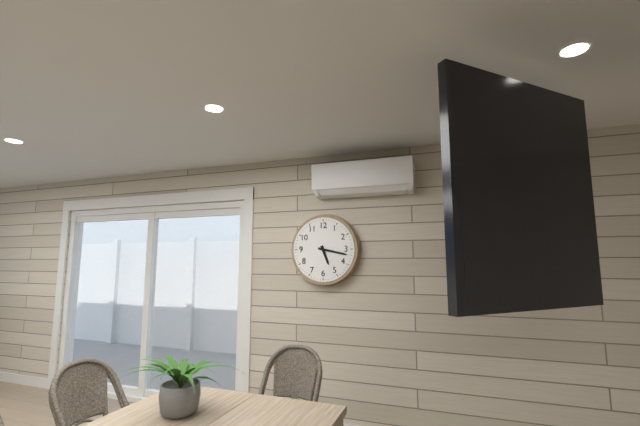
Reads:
{"hour": 5, "minute": 17}
